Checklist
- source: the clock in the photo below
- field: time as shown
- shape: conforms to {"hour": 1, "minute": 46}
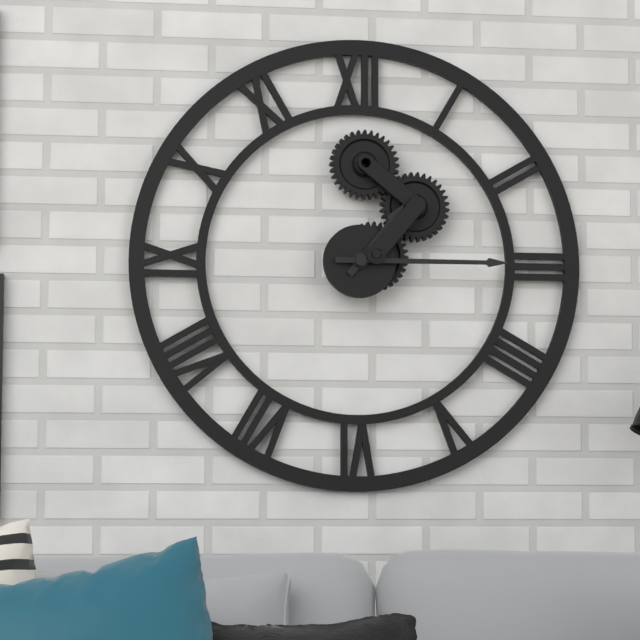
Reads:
{"hour": 1, "minute": 15}
